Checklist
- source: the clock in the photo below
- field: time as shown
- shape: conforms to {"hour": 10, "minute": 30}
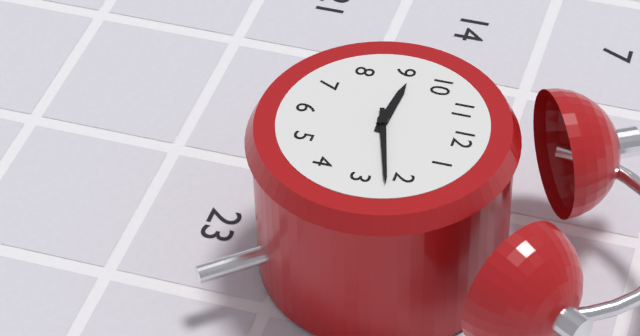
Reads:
{"hour": 9, "minute": 12}
